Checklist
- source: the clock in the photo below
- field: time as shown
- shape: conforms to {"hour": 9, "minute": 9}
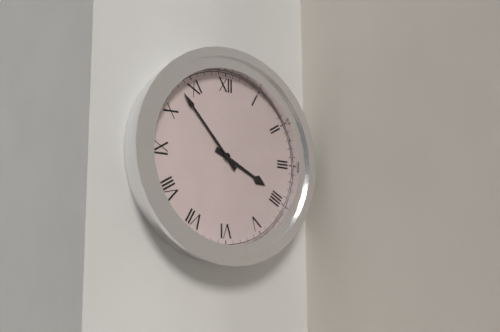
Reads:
{"hour": 3, "minute": 53}
